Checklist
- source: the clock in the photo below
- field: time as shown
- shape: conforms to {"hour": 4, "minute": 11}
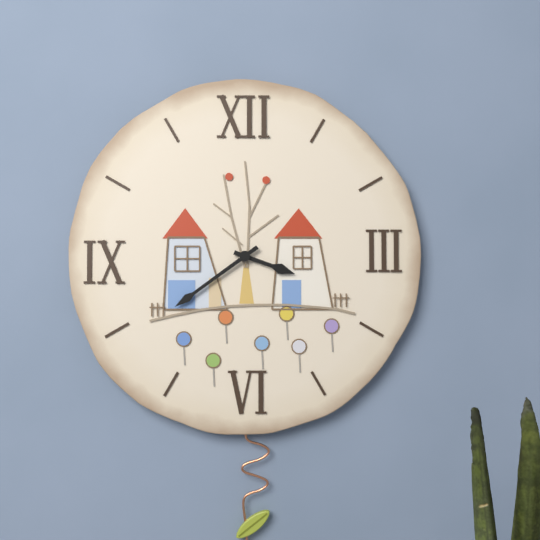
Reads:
{"hour": 3, "minute": 39}
